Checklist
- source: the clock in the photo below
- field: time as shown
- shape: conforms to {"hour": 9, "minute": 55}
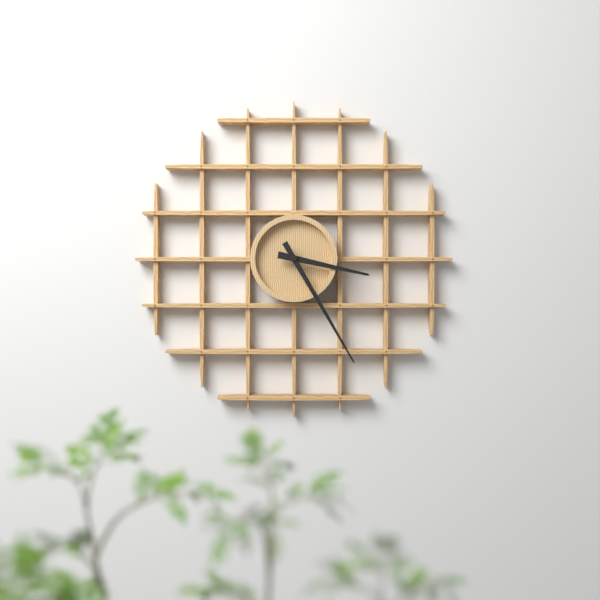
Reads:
{"hour": 3, "minute": 25}
